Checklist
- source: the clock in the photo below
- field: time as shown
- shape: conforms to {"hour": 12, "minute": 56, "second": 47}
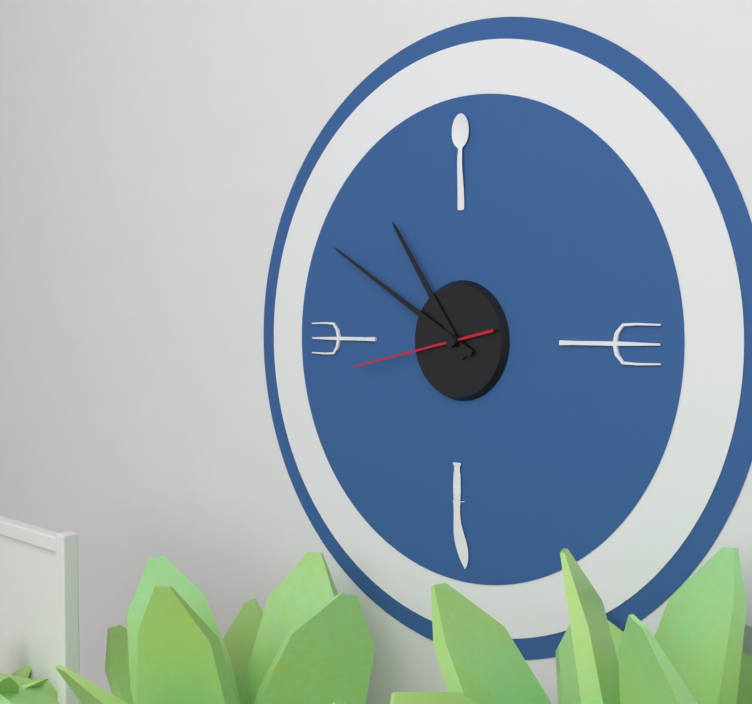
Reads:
{"hour": 10, "minute": 50, "second": 43}
